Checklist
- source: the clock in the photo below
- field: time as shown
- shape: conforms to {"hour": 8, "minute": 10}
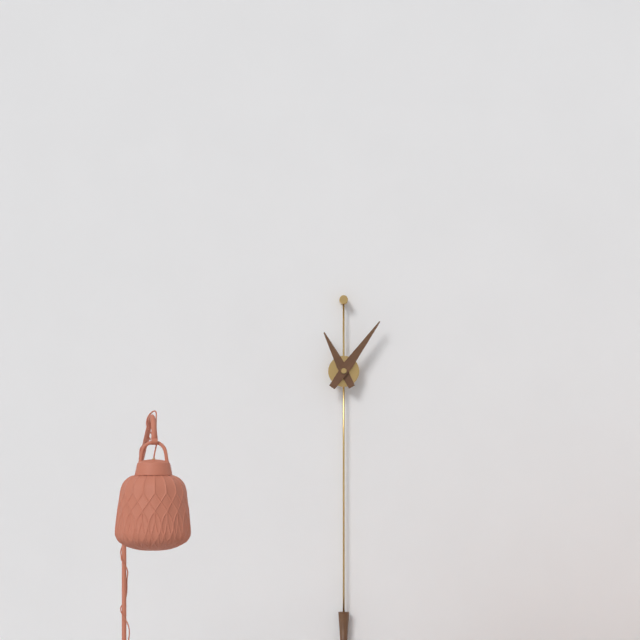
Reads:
{"hour": 11, "minute": 6}
